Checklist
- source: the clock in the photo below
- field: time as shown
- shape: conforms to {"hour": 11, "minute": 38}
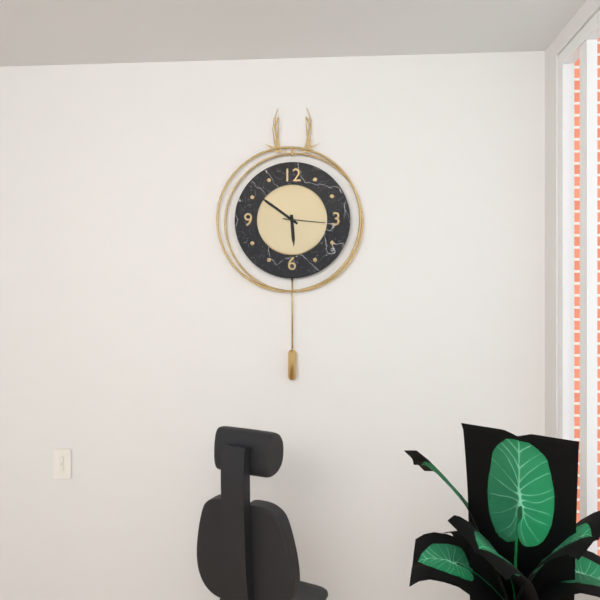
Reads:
{"hour": 5, "minute": 51}
